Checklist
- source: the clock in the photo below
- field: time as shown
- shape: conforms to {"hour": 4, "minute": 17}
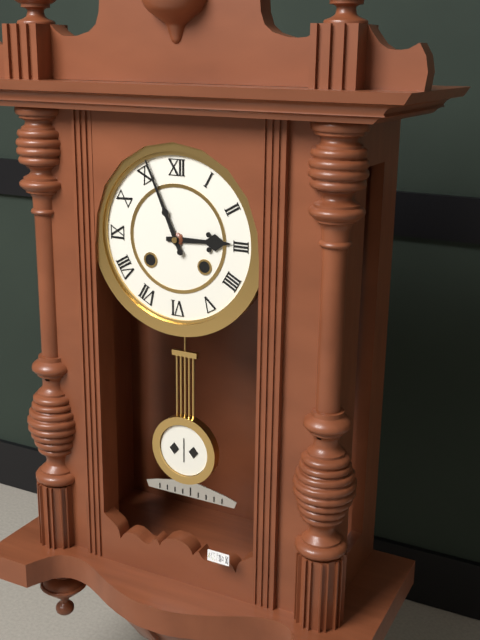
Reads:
{"hour": 2, "minute": 56}
